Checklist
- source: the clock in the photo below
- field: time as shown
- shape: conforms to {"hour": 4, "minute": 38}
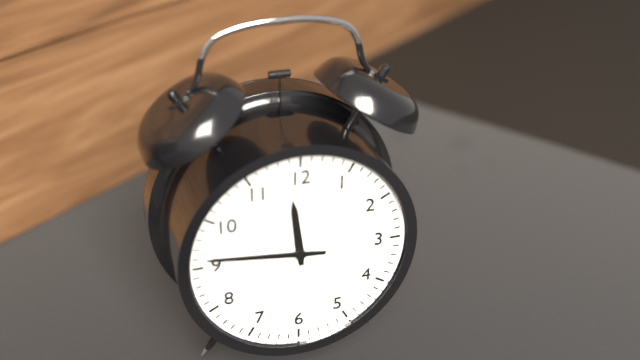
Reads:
{"hour": 11, "minute": 46}
